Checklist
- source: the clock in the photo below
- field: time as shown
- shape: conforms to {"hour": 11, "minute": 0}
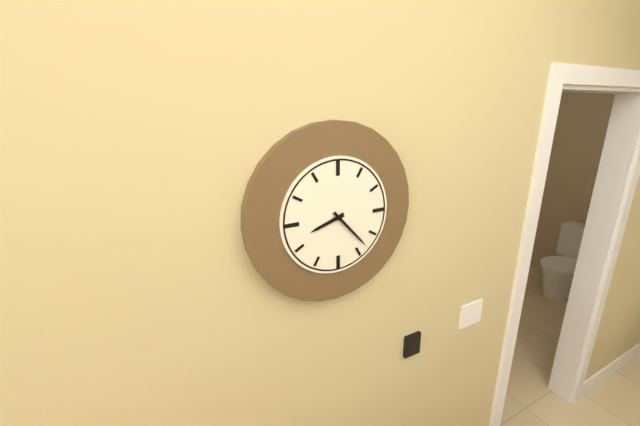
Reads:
{"hour": 8, "minute": 23}
